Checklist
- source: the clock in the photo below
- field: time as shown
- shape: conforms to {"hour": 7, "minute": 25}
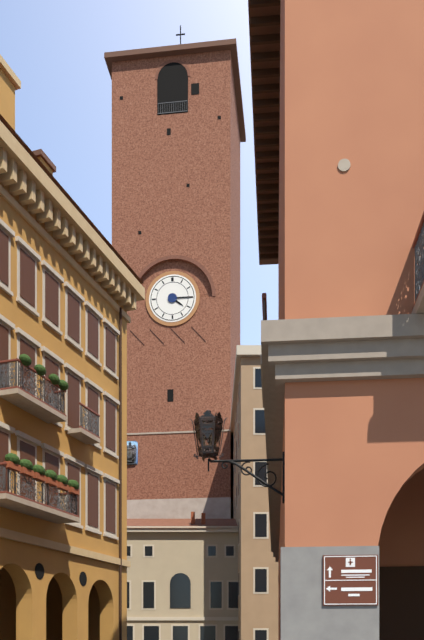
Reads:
{"hour": 4, "minute": 15}
